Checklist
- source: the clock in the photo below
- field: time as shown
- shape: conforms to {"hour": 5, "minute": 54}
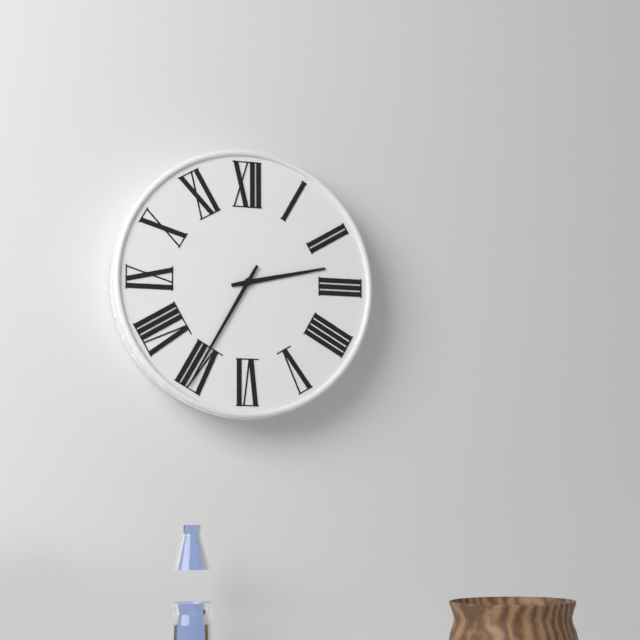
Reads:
{"hour": 2, "minute": 35}
